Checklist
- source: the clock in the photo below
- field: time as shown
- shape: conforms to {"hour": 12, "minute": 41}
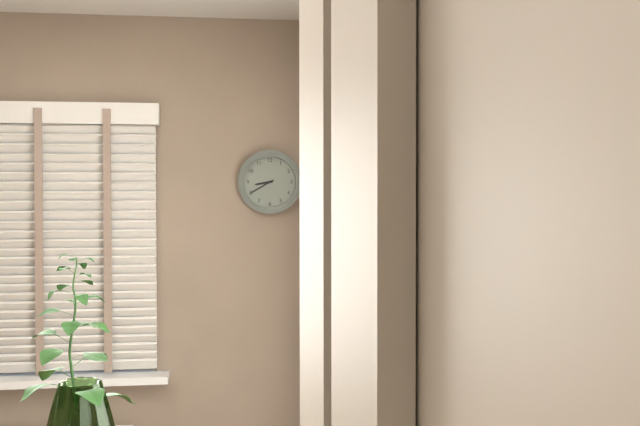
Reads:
{"hour": 8, "minute": 40}
